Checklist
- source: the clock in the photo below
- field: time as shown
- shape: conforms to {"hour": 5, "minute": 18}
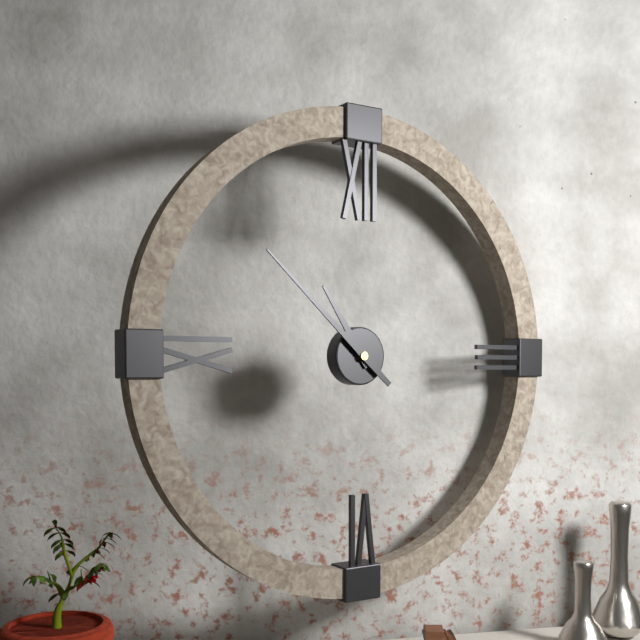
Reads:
{"hour": 10, "minute": 52}
